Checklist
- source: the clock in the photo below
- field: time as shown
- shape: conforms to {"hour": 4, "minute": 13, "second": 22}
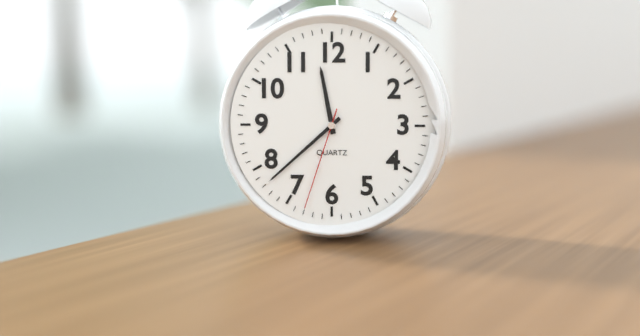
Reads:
{"hour": 11, "minute": 38, "second": 33}
